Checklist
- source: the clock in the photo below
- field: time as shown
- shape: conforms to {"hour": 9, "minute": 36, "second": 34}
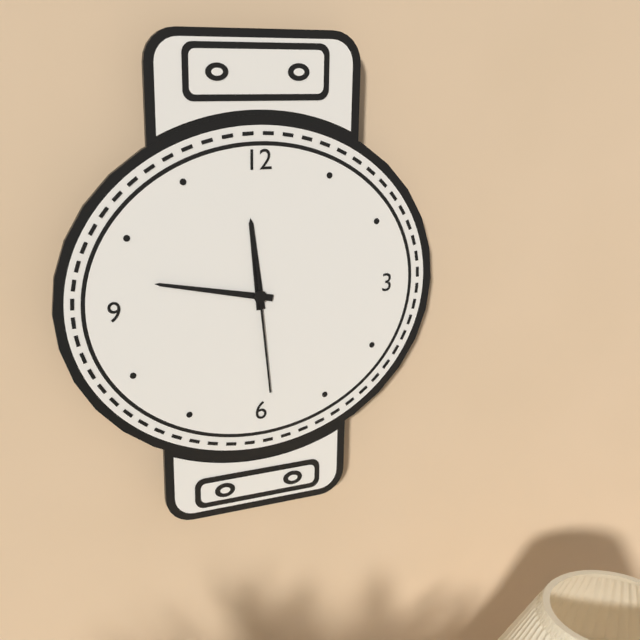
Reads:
{"hour": 11, "minute": 47, "second": 29}
